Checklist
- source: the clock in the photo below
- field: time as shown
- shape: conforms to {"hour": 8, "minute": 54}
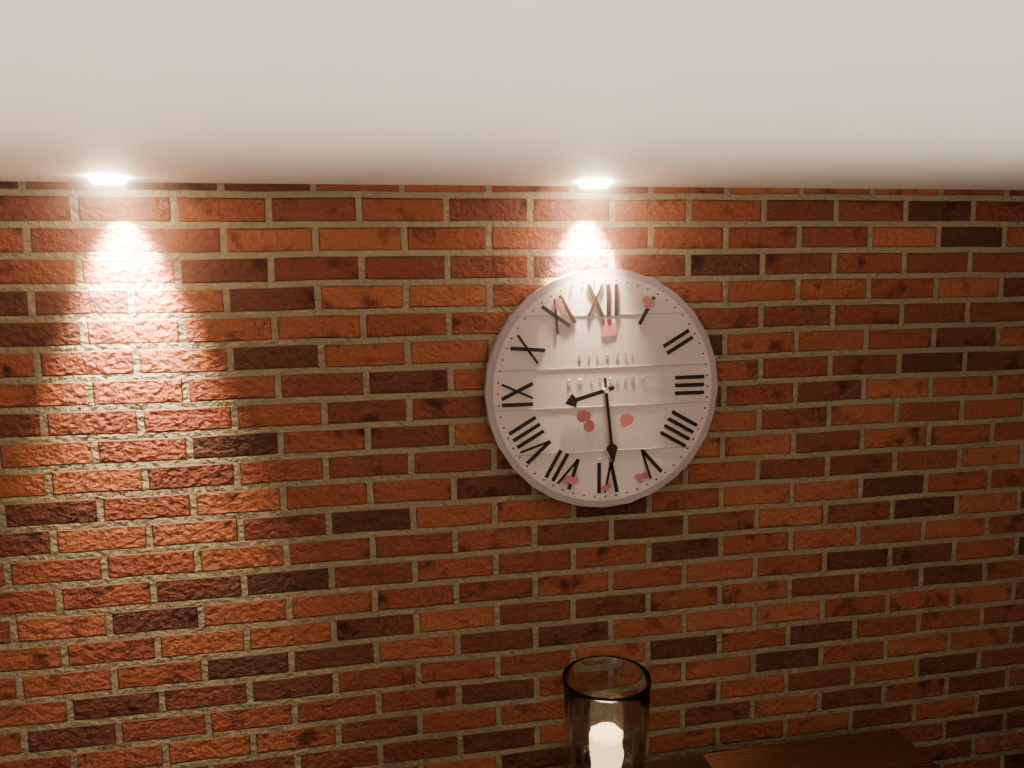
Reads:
{"hour": 8, "minute": 29}
